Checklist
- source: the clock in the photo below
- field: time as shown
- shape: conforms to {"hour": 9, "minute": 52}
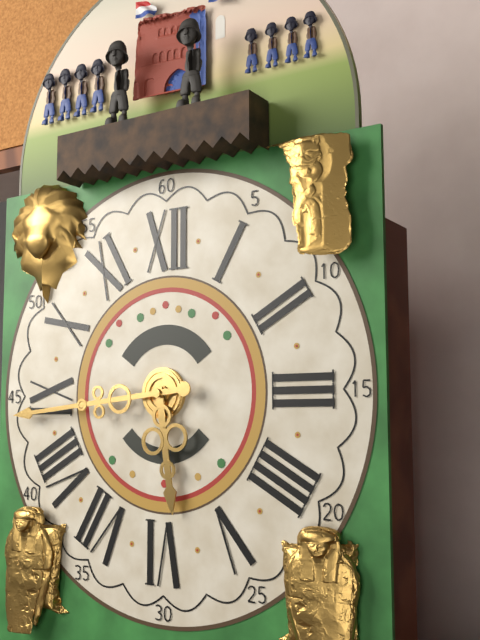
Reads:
{"hour": 5, "minute": 44}
